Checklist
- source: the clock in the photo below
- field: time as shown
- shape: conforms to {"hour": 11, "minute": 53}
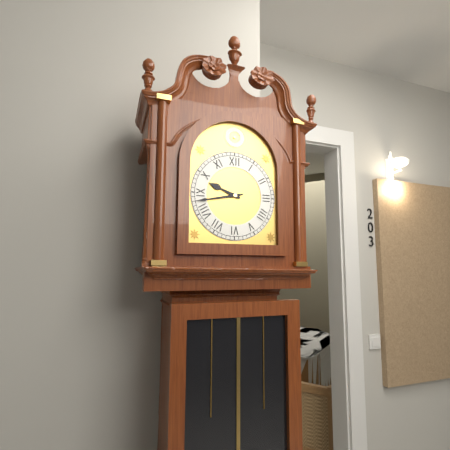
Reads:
{"hour": 9, "minute": 43}
